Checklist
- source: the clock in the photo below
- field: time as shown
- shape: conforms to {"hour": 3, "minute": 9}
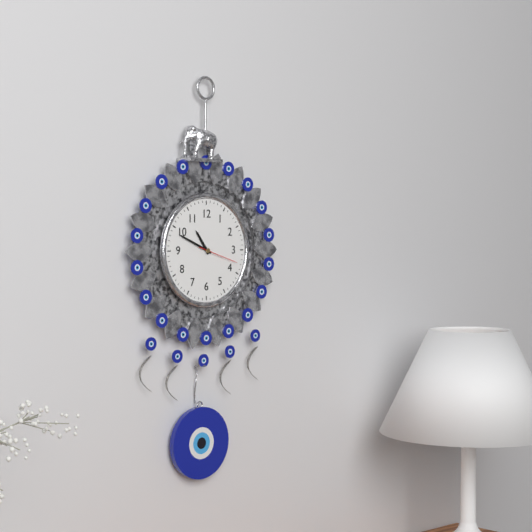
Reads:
{"hour": 10, "minute": 49}
